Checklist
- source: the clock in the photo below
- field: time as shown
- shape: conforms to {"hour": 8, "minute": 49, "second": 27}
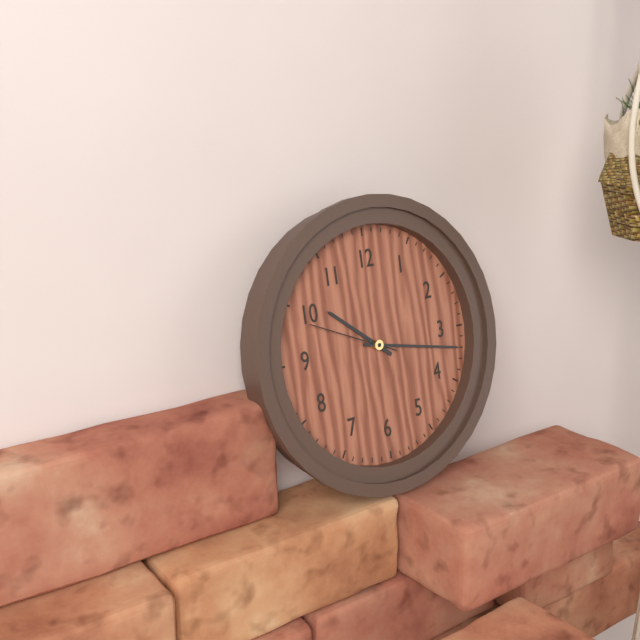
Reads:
{"hour": 10, "minute": 17, "second": 49}
